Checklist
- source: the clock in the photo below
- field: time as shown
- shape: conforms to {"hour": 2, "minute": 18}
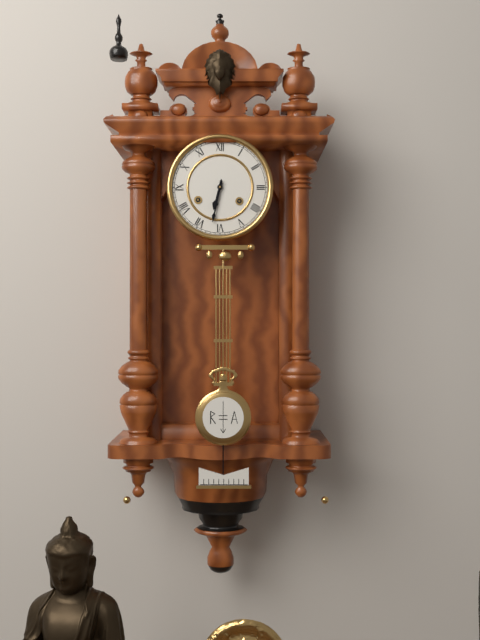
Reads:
{"hour": 6, "minute": 32}
